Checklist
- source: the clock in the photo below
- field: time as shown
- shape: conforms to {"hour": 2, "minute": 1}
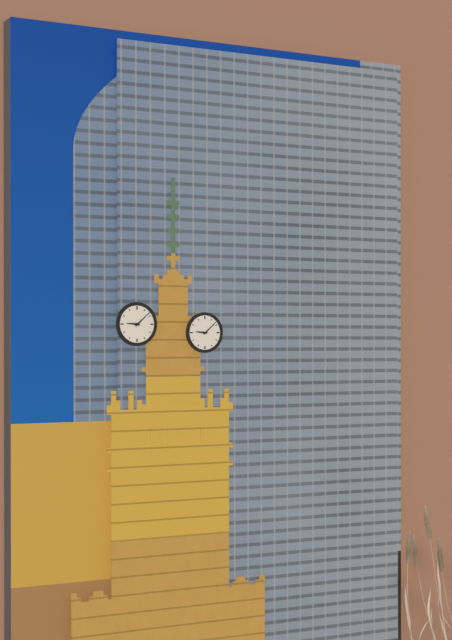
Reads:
{"hour": 9, "minute": 8}
